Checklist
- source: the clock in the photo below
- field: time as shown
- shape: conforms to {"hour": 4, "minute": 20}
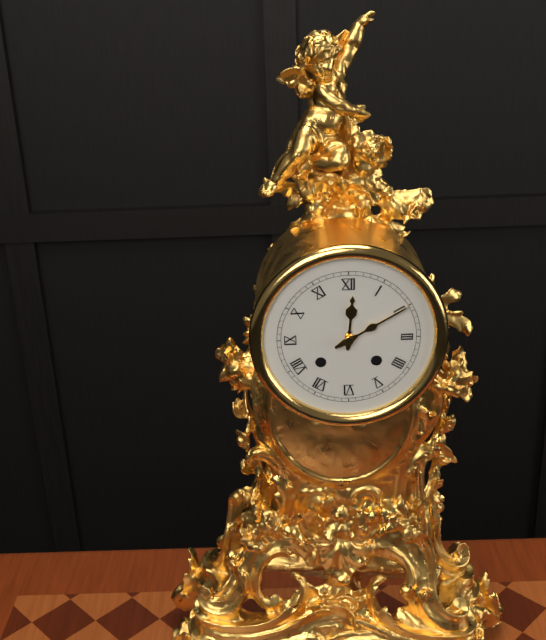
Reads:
{"hour": 12, "minute": 10}
